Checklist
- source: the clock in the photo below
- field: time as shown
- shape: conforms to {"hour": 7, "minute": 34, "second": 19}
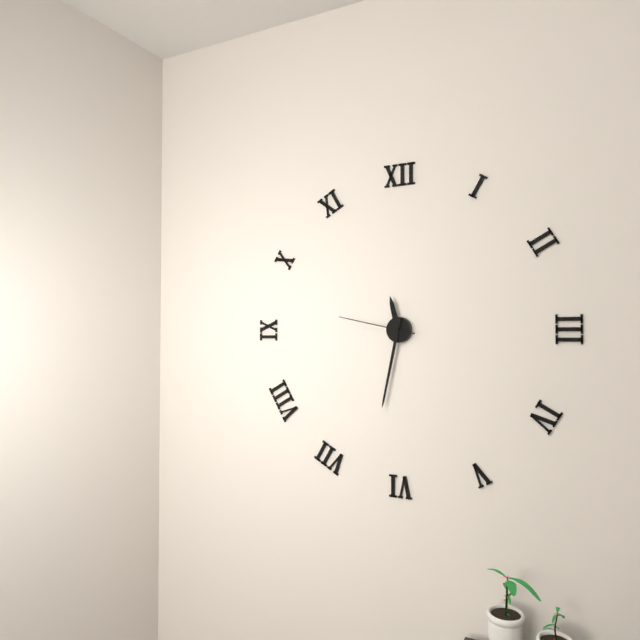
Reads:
{"hour": 11, "minute": 32, "second": 47}
